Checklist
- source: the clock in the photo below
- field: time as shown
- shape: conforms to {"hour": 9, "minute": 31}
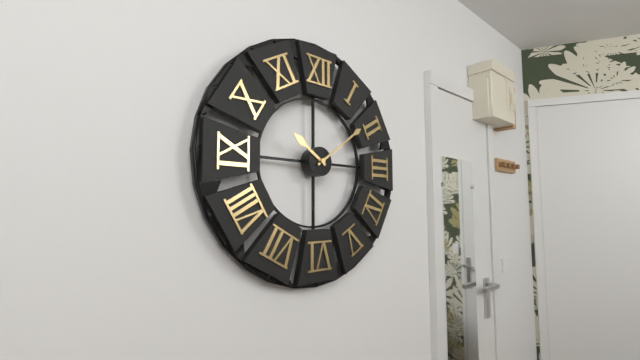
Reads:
{"hour": 10, "minute": 9}
